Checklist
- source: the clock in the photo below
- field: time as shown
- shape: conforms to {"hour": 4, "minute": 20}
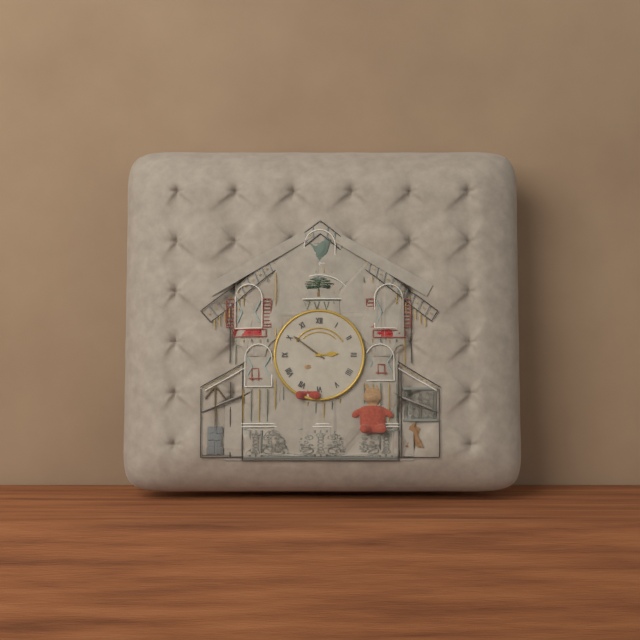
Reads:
{"hour": 2, "minute": 51}
